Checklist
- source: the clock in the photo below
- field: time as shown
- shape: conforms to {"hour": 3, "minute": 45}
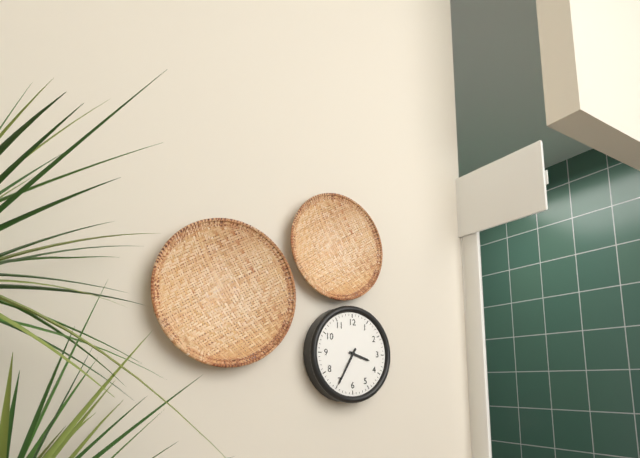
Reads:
{"hour": 3, "minute": 35}
